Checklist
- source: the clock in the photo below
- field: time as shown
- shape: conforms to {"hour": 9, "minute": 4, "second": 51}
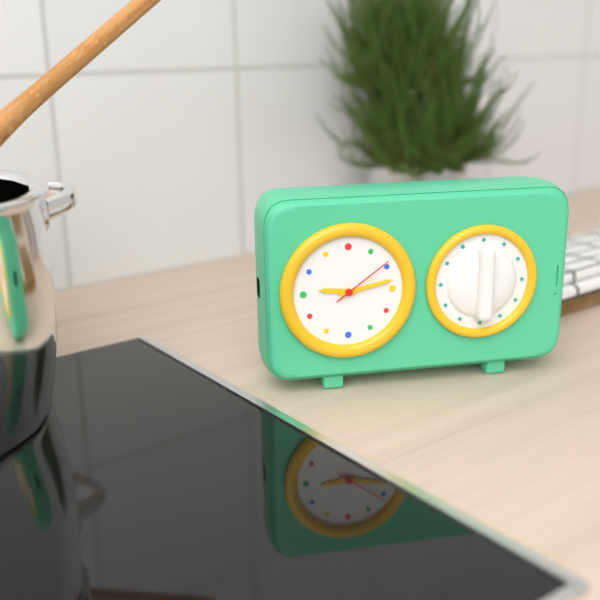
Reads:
{"hour": 9, "minute": 13, "second": 9}
